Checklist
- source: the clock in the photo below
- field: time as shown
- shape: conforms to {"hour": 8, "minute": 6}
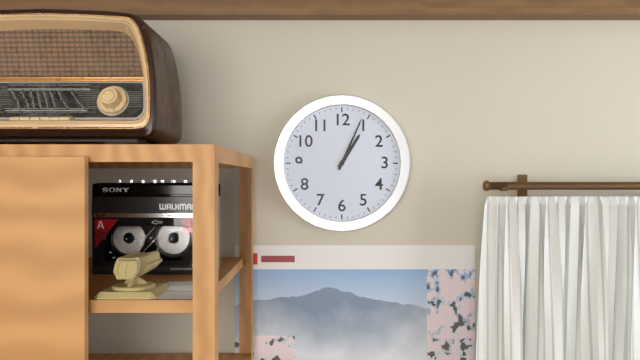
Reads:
{"hour": 1, "minute": 4}
